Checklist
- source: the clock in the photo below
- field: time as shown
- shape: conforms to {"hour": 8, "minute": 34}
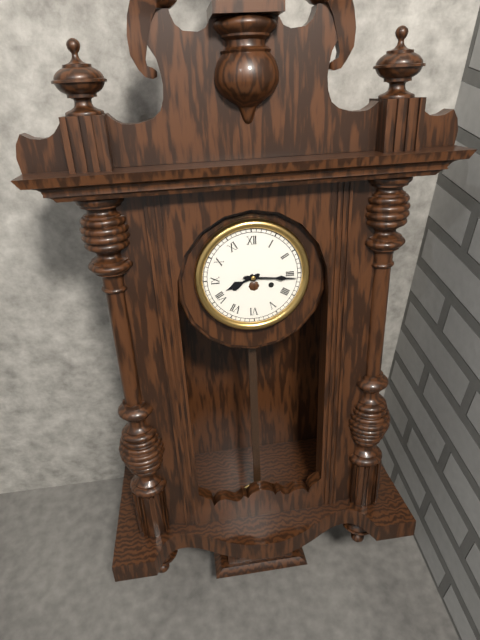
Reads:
{"hour": 8, "minute": 16}
